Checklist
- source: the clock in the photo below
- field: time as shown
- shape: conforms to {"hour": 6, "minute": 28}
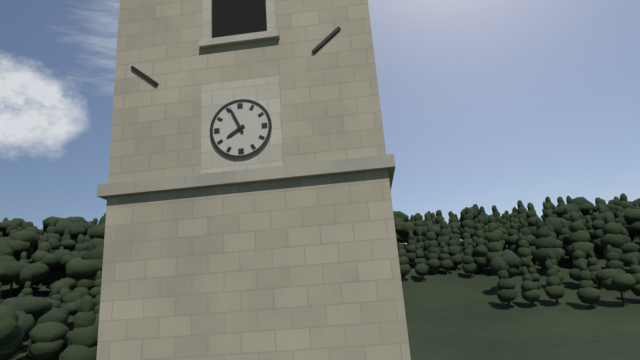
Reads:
{"hour": 7, "minute": 56}
